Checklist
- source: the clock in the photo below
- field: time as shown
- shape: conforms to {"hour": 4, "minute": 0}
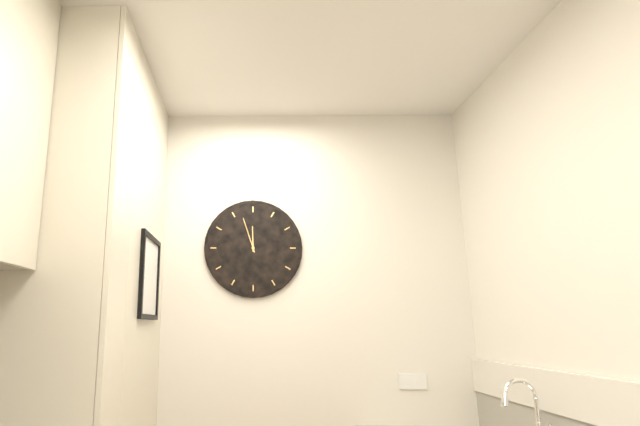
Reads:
{"hour": 11, "minute": 57}
